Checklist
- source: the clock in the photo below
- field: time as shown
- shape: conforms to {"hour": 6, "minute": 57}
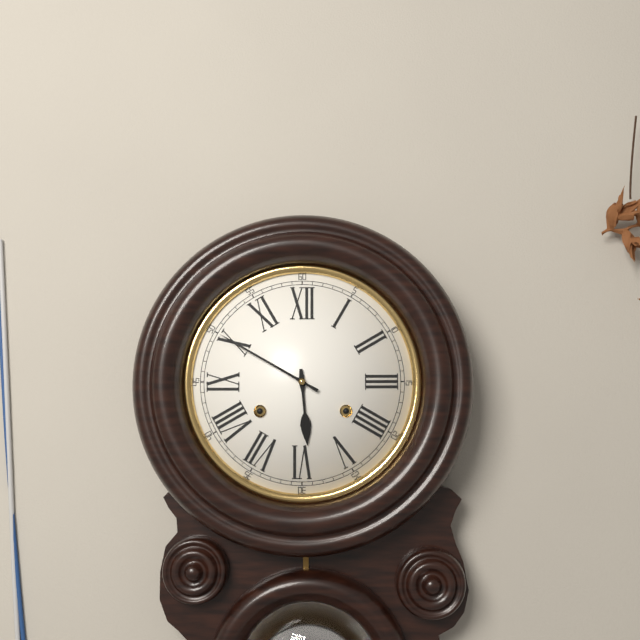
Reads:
{"hour": 5, "minute": 50}
